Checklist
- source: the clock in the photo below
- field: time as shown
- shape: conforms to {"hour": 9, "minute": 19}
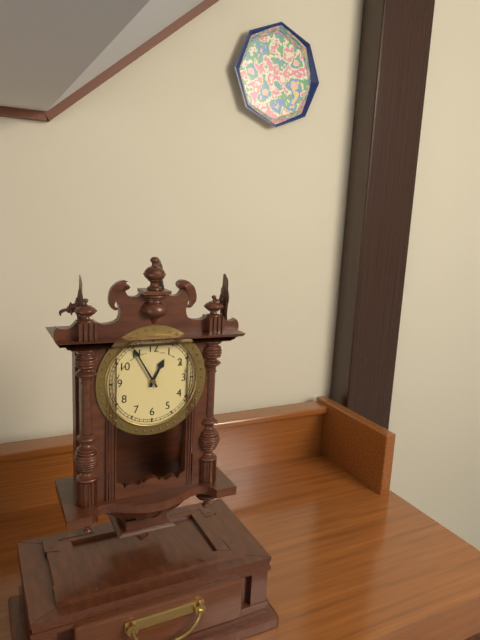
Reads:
{"hour": 12, "minute": 55}
